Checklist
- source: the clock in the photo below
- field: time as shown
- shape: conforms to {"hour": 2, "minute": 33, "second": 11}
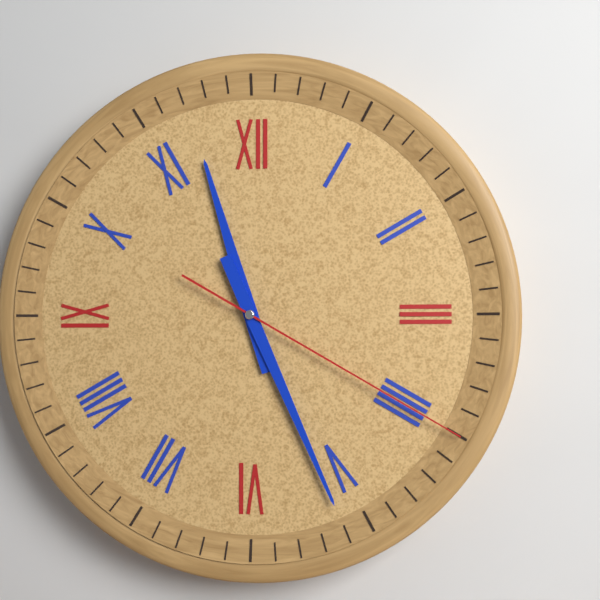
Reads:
{"hour": 11, "minute": 26, "second": 20}
